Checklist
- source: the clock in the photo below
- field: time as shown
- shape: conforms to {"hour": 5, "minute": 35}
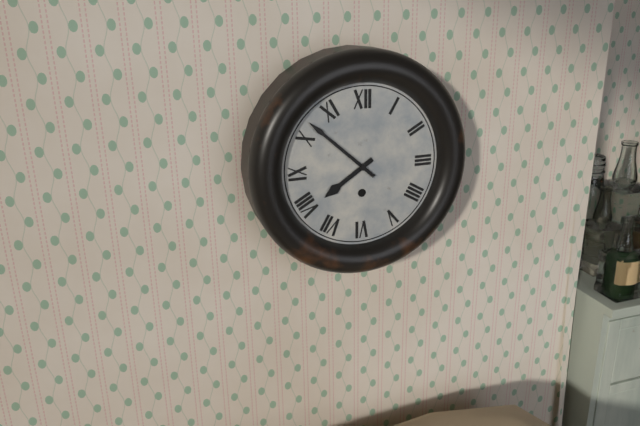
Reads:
{"hour": 7, "minute": 52}
